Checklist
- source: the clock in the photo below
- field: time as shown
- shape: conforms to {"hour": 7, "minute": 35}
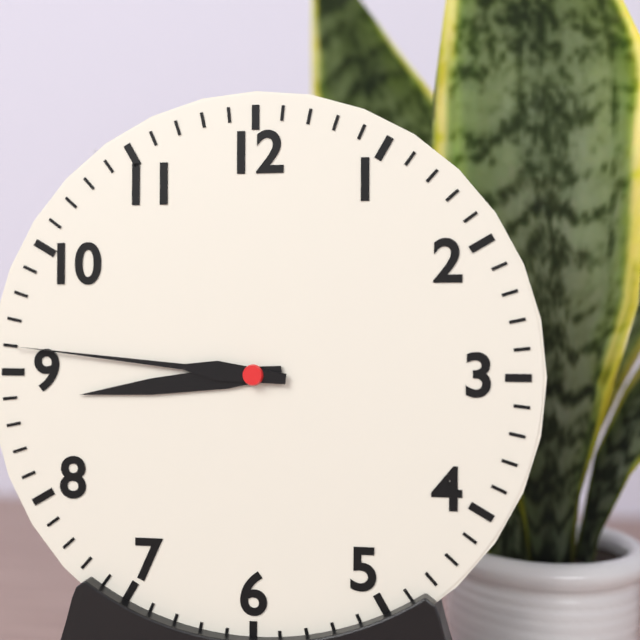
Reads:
{"hour": 8, "minute": 46}
